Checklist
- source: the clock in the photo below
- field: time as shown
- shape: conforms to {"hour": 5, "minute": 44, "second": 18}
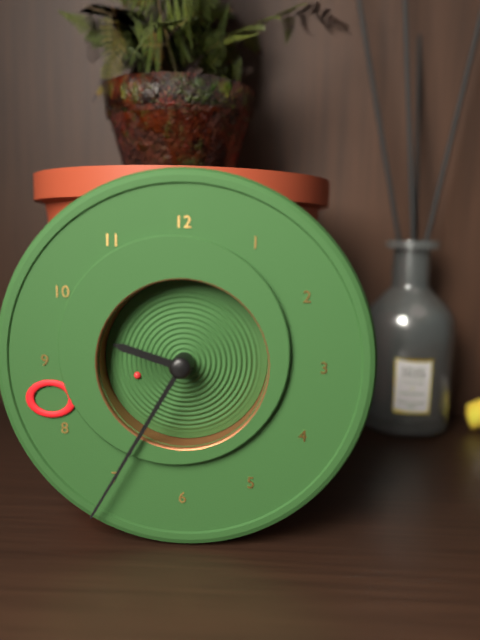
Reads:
{"hour": 9, "minute": 35, "second": 42}
